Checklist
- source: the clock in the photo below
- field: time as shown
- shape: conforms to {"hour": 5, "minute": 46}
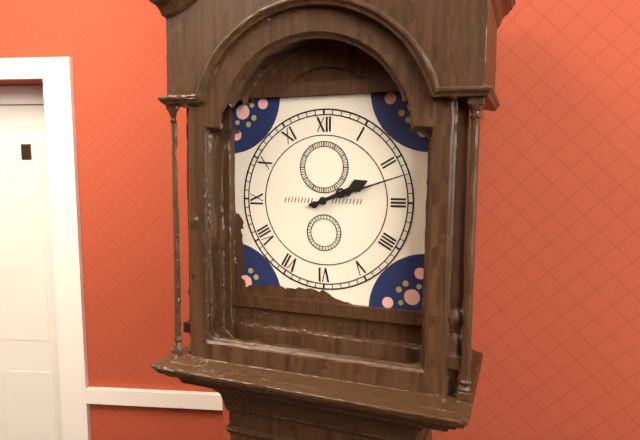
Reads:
{"hour": 2, "minute": 12}
